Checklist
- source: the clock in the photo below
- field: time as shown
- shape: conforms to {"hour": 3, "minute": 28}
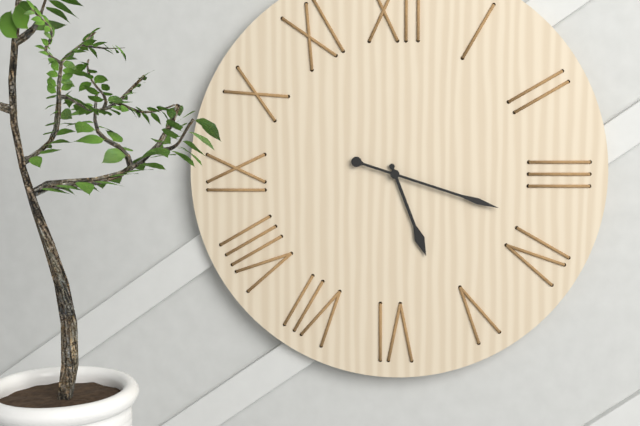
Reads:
{"hour": 5, "minute": 18}
